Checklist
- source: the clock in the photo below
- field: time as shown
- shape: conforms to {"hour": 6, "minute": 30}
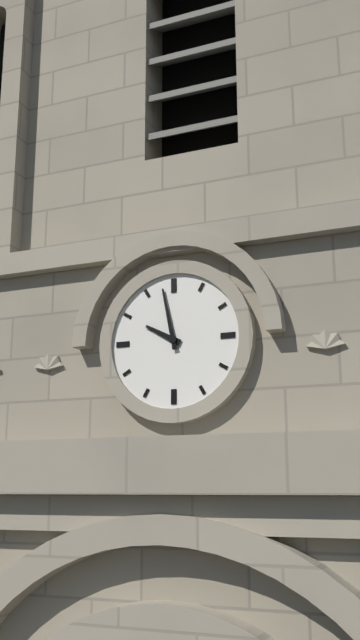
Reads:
{"hour": 9, "minute": 58}
